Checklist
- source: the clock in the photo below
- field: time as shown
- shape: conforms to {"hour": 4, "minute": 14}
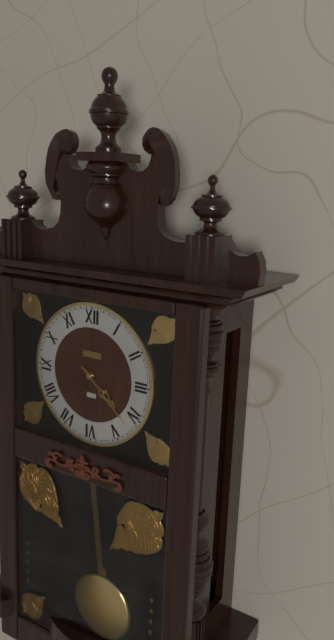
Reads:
{"hour": 4, "minute": 22}
